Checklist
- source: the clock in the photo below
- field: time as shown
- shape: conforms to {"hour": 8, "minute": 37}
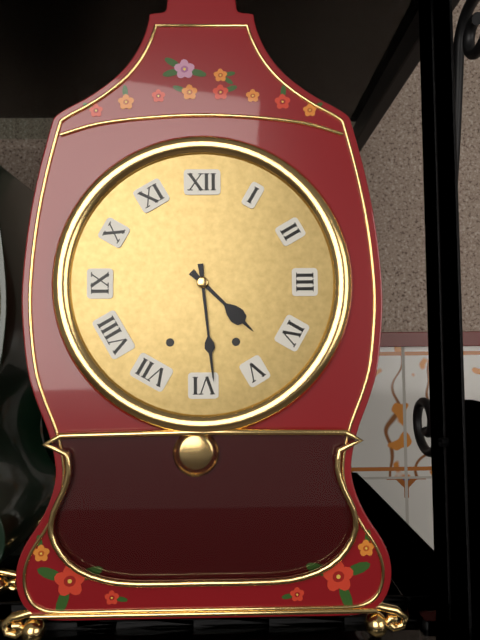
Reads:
{"hour": 4, "minute": 29}
